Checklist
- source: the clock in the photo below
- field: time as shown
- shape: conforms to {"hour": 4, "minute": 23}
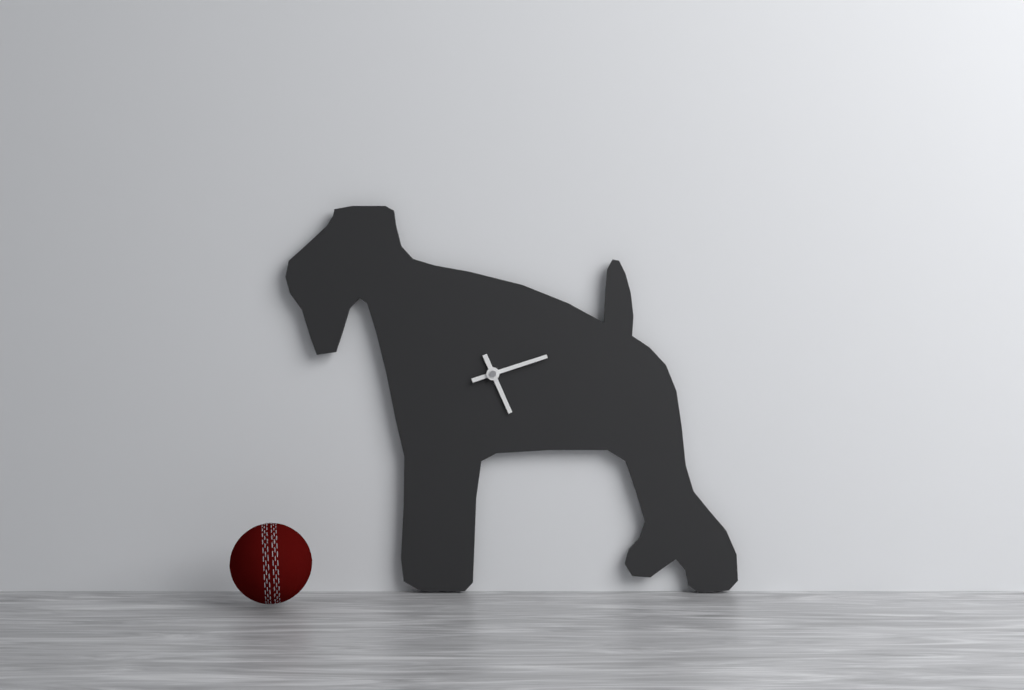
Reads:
{"hour": 5, "minute": 12}
